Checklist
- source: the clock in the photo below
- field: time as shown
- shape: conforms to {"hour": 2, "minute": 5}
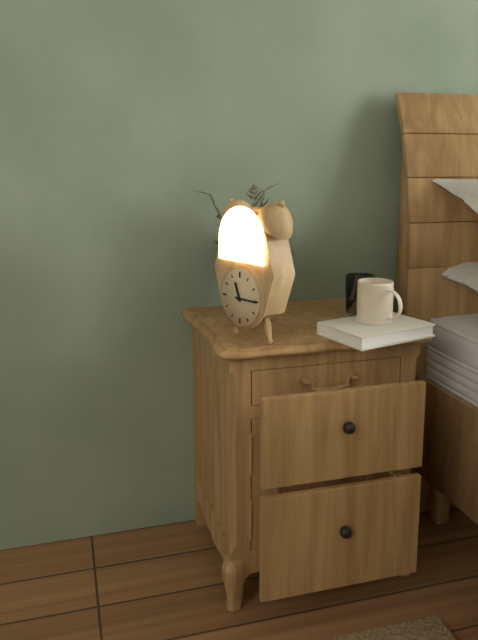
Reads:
{"hour": 11, "minute": 15}
